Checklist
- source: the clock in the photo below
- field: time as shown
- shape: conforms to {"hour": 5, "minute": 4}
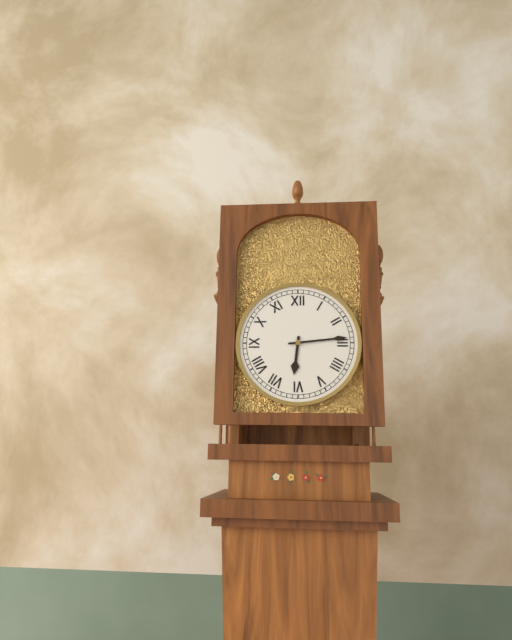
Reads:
{"hour": 6, "minute": 14}
